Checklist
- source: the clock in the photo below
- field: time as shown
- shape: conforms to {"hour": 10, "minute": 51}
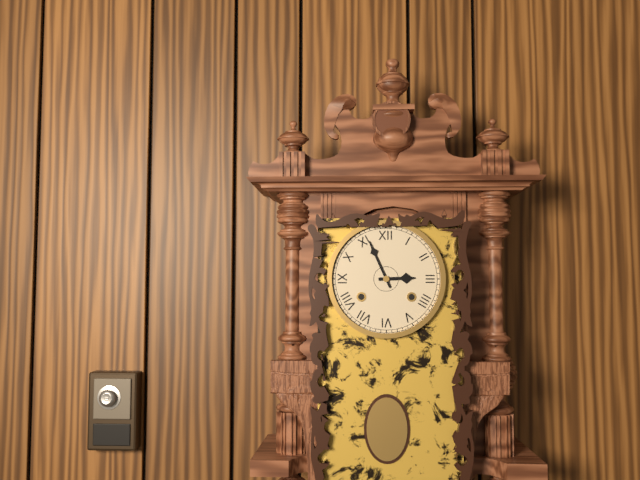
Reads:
{"hour": 2, "minute": 56}
